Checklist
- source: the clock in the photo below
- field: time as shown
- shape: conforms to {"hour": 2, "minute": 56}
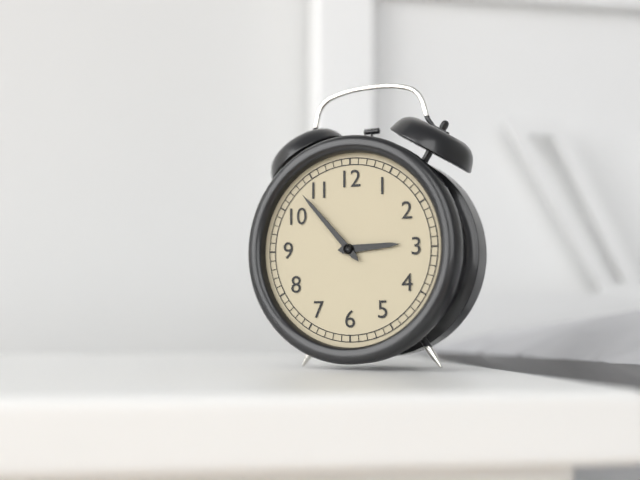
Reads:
{"hour": 2, "minute": 53}
